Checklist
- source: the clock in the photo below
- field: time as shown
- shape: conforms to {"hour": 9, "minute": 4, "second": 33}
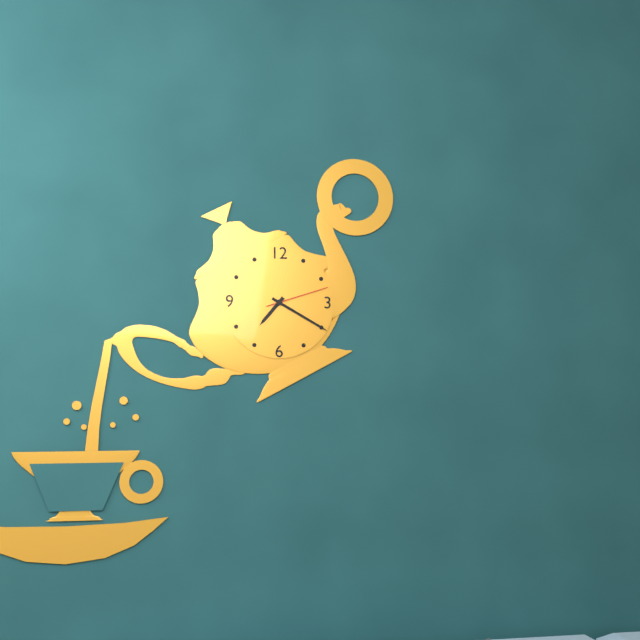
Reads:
{"hour": 7, "minute": 20, "second": 12}
